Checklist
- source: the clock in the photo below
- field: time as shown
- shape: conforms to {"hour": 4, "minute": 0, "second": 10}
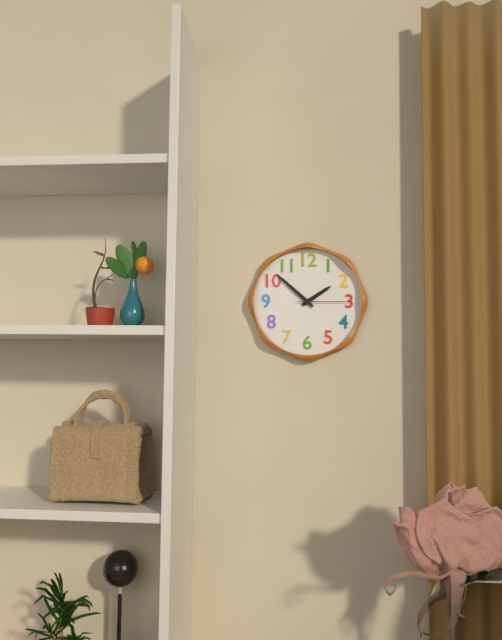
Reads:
{"hour": 1, "minute": 52, "second": 15}
